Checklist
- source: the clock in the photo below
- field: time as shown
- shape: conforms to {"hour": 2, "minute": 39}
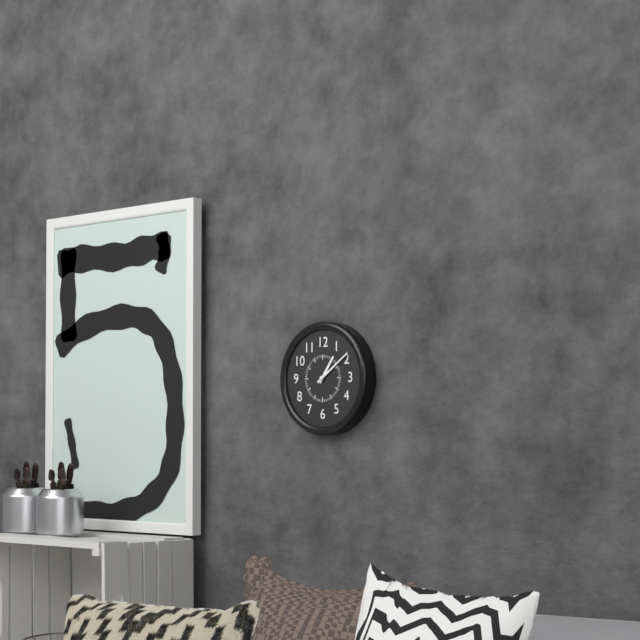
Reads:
{"hour": 1, "minute": 9}
